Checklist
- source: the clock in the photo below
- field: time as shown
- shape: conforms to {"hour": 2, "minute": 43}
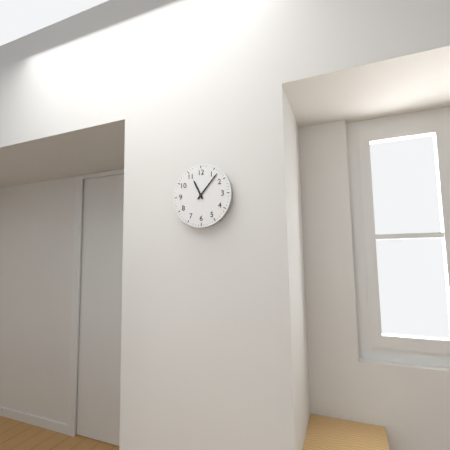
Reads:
{"hour": 11, "minute": 7}
